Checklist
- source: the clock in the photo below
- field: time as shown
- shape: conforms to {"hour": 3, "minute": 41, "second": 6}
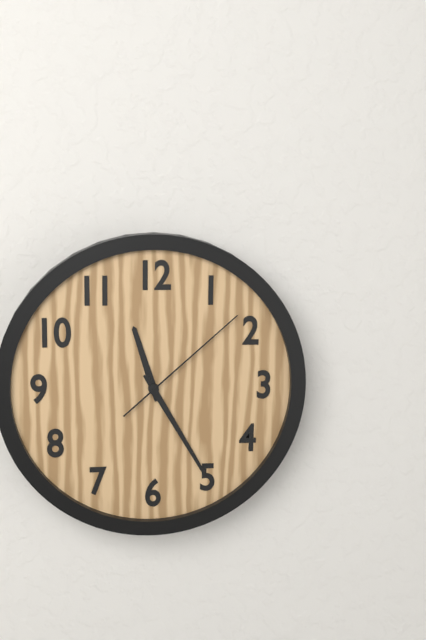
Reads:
{"hour": 11, "minute": 25, "second": 8}
